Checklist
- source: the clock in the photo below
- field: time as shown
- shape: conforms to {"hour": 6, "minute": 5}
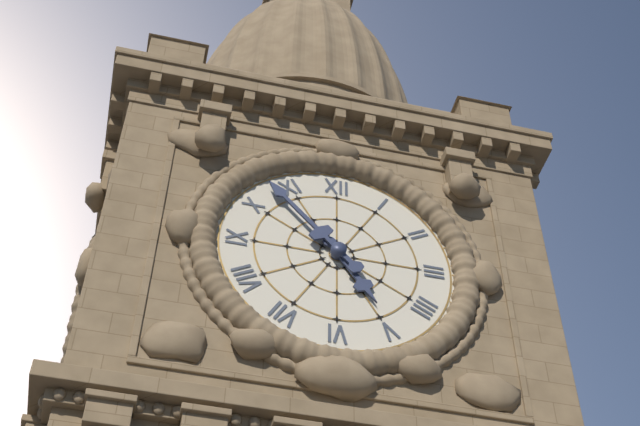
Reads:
{"hour": 4, "minute": 53}
